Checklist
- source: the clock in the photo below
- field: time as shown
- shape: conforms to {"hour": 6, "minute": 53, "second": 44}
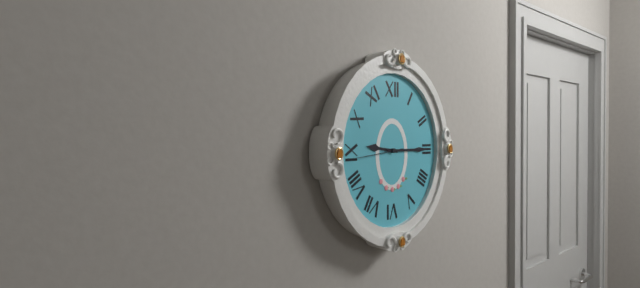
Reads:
{"hour": 9, "minute": 15, "second": 44}
